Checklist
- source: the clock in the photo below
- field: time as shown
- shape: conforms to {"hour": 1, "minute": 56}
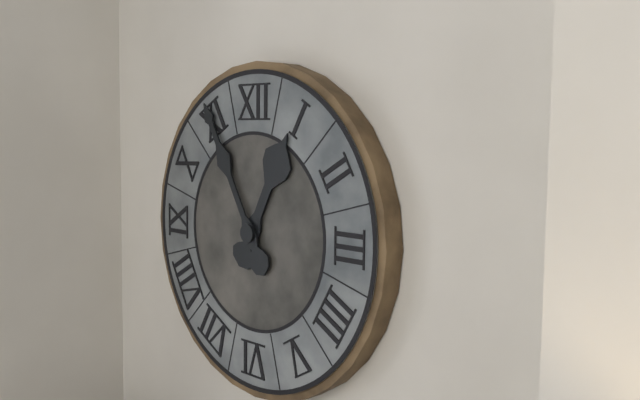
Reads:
{"hour": 12, "minute": 55}
